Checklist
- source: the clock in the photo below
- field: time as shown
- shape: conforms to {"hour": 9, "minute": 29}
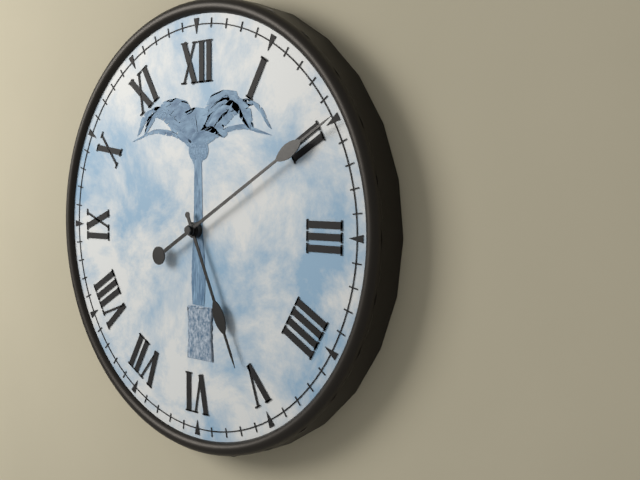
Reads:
{"hour": 5, "minute": 10}
